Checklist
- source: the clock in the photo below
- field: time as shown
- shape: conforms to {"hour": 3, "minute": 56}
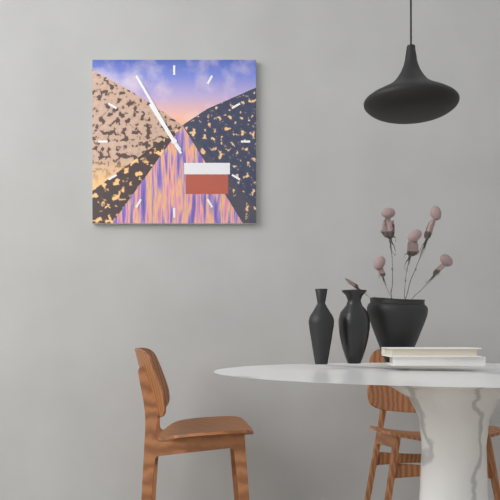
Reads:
{"hour": 10, "minute": 55}
